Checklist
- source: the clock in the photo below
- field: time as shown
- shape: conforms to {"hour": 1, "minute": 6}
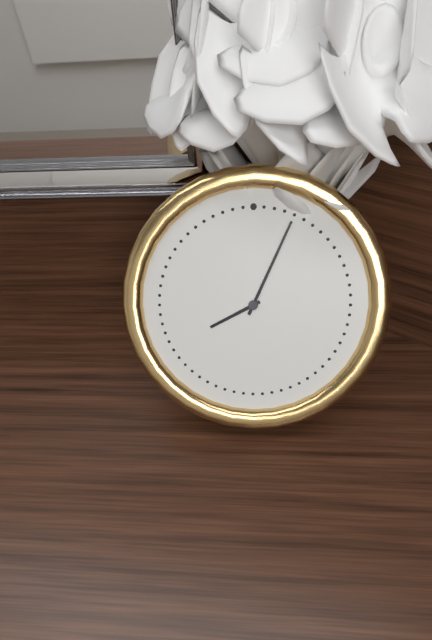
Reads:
{"hour": 8, "minute": 4}
